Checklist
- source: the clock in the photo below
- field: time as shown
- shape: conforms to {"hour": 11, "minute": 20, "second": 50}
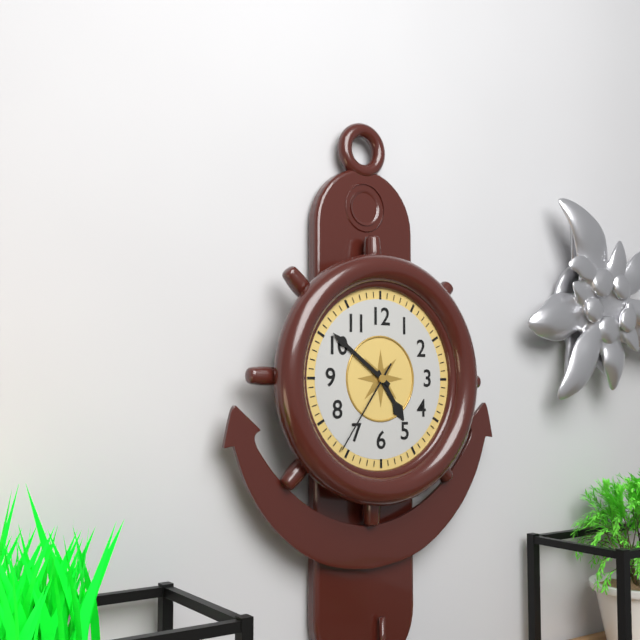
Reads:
{"hour": 4, "minute": 51, "second": 36}
